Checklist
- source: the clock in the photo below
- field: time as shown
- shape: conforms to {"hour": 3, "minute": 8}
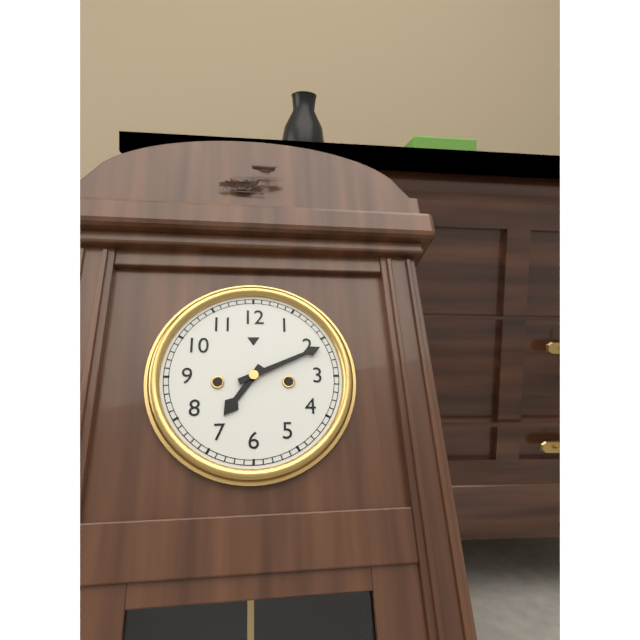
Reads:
{"hour": 7, "minute": 11}
